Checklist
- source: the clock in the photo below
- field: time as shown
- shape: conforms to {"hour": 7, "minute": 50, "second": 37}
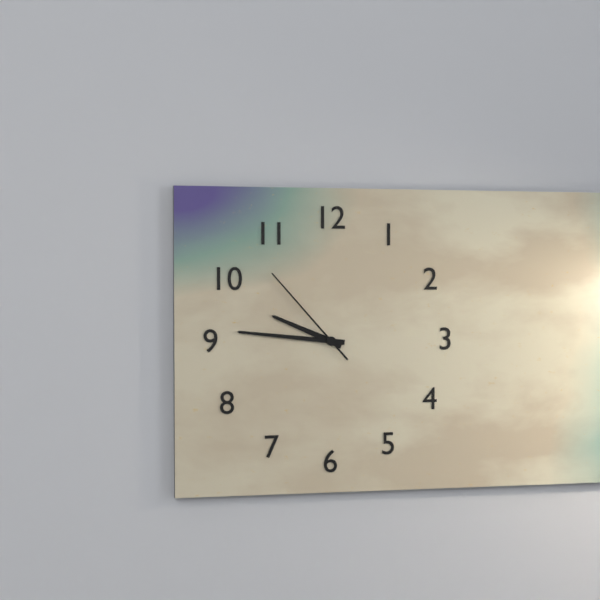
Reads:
{"hour": 9, "minute": 46, "second": 53}
